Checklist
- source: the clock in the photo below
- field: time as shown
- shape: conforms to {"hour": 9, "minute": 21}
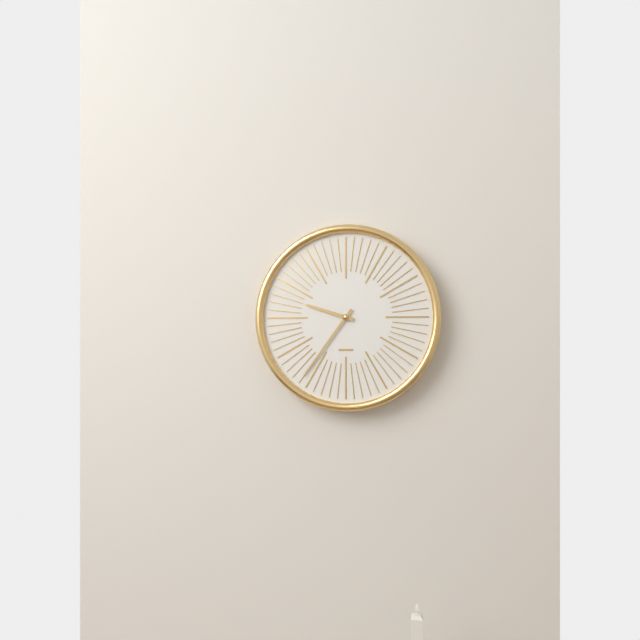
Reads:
{"hour": 9, "minute": 36}
